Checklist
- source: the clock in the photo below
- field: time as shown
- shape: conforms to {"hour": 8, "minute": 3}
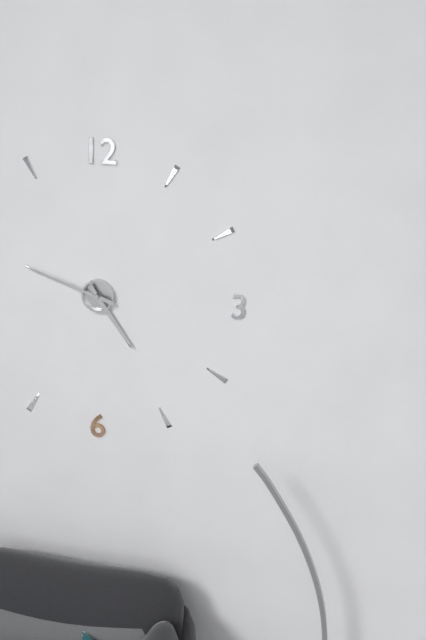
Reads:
{"hour": 4, "minute": 48}
